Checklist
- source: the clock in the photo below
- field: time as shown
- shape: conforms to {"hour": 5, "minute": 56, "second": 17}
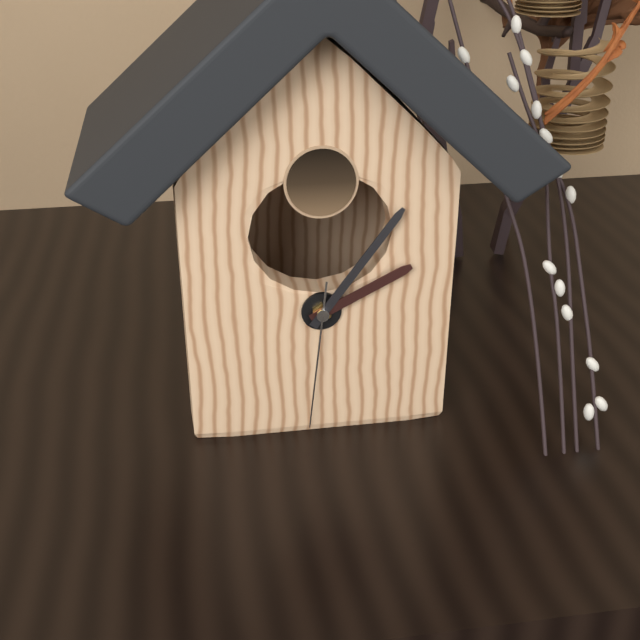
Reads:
{"hour": 2, "minute": 6, "second": 31}
